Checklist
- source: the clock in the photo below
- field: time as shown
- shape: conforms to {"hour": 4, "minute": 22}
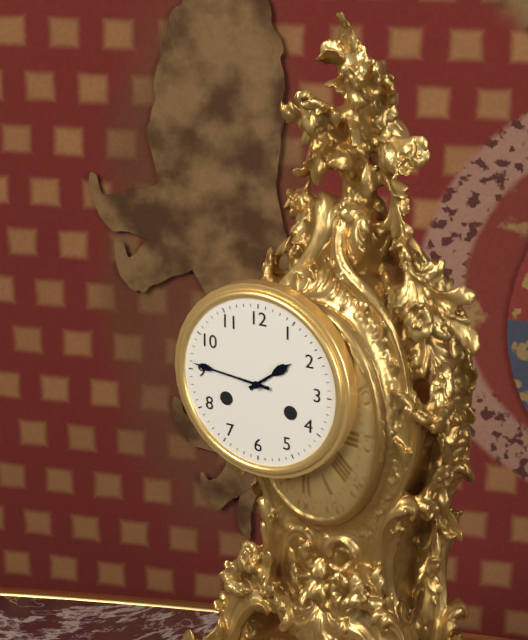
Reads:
{"hour": 1, "minute": 46}
